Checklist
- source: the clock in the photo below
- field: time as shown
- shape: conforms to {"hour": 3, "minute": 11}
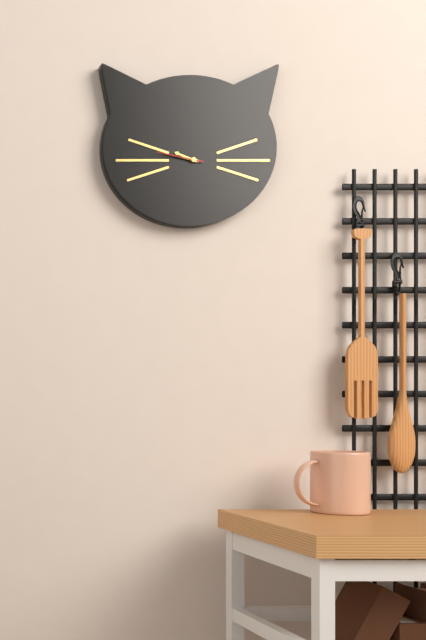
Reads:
{"hour": 9, "minute": 47}
